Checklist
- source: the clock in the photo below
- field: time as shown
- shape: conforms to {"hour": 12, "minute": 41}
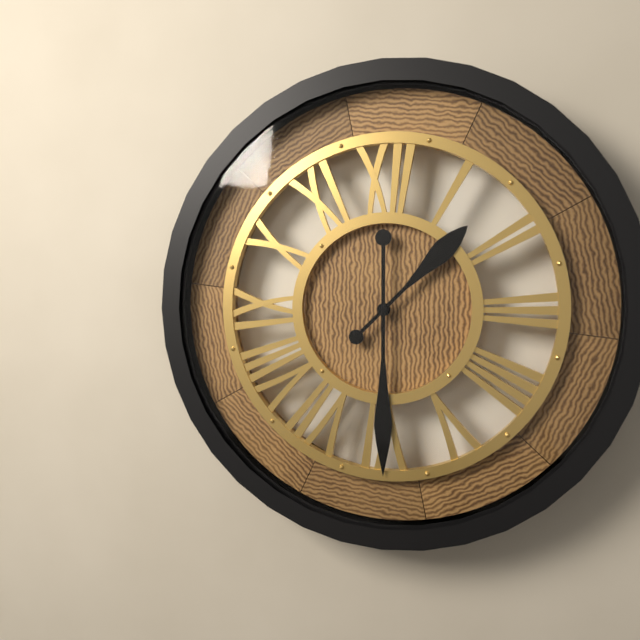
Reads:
{"hour": 1, "minute": 30}
